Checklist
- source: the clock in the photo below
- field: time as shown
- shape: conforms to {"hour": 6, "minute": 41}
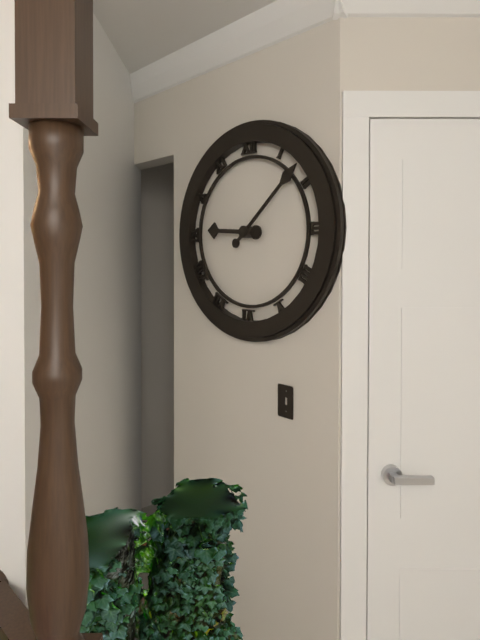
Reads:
{"hour": 9, "minute": 8}
